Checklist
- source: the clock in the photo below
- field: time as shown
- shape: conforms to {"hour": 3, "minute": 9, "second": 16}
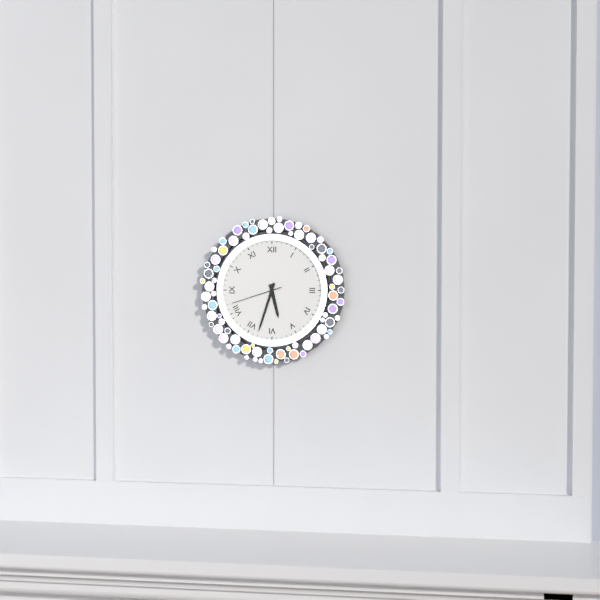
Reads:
{"hour": 5, "minute": 33, "second": 42}
